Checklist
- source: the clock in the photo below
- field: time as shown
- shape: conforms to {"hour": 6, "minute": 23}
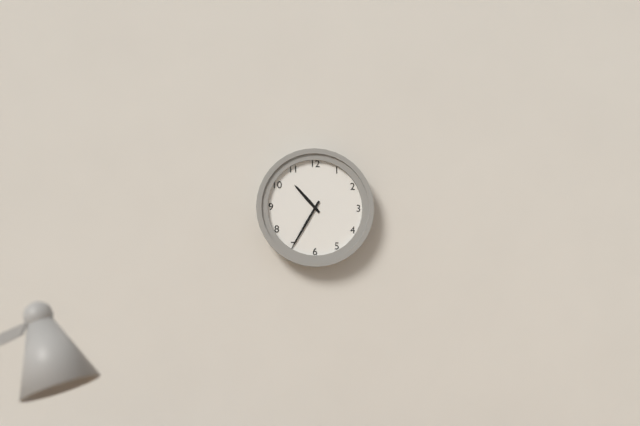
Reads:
{"hour": 10, "minute": 35}
